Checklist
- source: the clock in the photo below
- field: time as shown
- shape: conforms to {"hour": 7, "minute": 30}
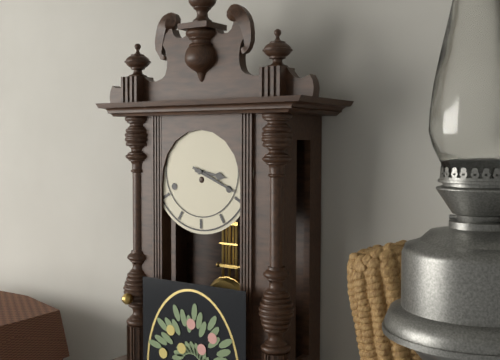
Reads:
{"hour": 3, "minute": 19}
